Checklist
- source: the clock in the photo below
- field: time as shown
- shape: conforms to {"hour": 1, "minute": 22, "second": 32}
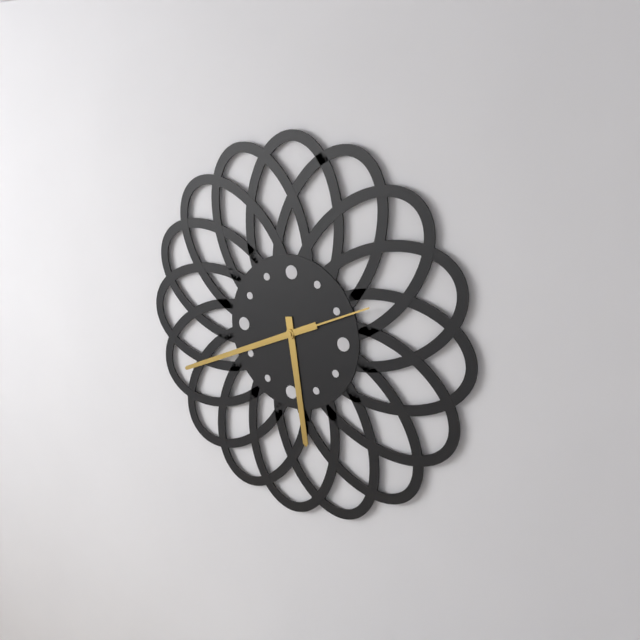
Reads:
{"hour": 5, "minute": 41, "second": 11}
